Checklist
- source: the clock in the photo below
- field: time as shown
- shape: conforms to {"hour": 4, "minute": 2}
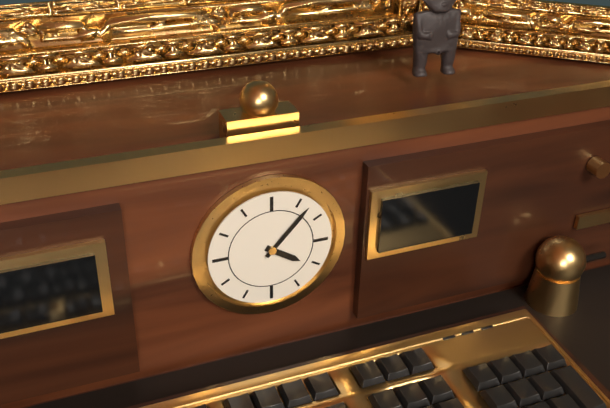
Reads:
{"hour": 4, "minute": 7}
